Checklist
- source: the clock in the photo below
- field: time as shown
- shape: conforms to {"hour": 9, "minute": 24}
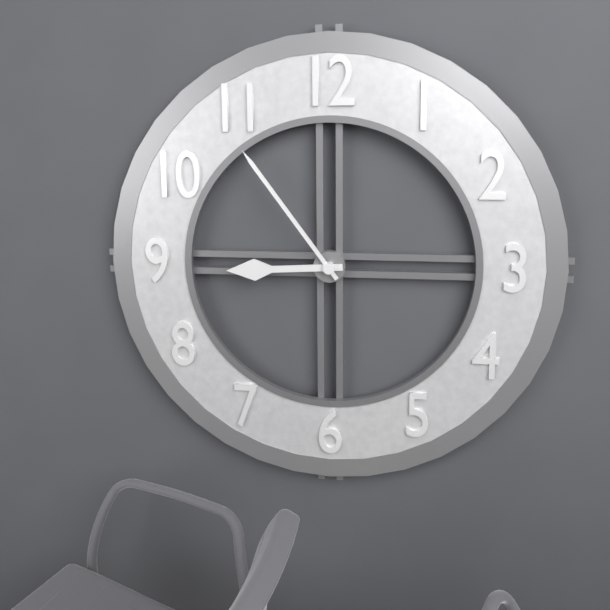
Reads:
{"hour": 8, "minute": 54}
